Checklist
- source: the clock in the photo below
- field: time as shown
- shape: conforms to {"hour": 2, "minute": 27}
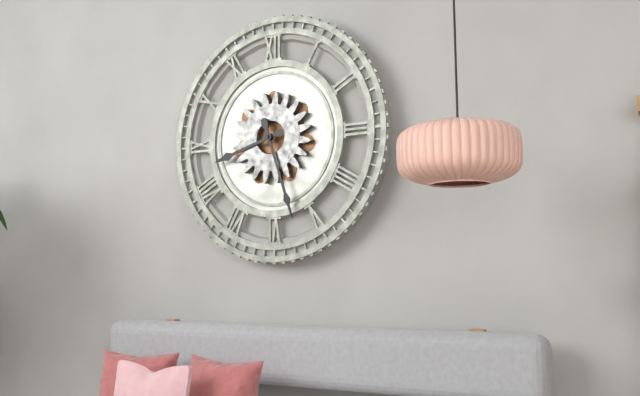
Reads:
{"hour": 8, "minute": 27}
